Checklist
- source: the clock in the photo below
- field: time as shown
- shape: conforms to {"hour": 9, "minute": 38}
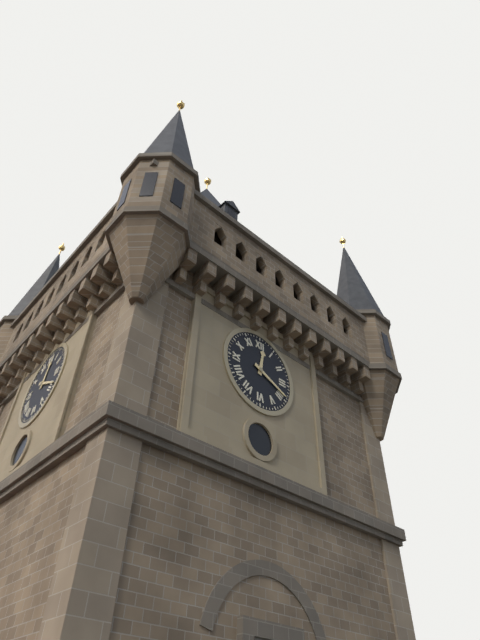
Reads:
{"hour": 12, "minute": 19}
